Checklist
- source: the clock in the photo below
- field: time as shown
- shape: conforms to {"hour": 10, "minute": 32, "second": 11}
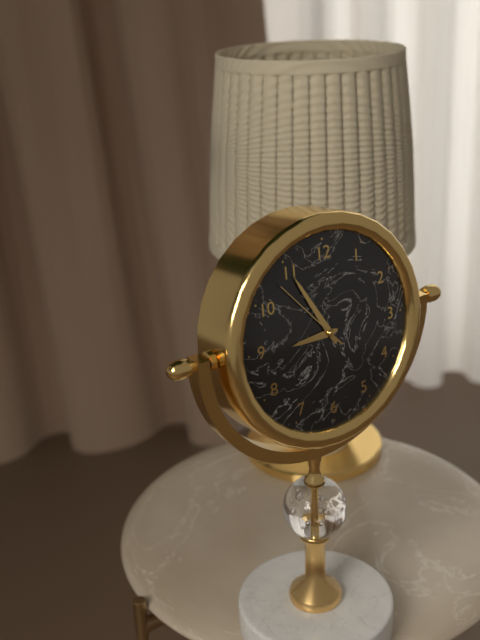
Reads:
{"hour": 8, "minute": 55, "second": 53}
